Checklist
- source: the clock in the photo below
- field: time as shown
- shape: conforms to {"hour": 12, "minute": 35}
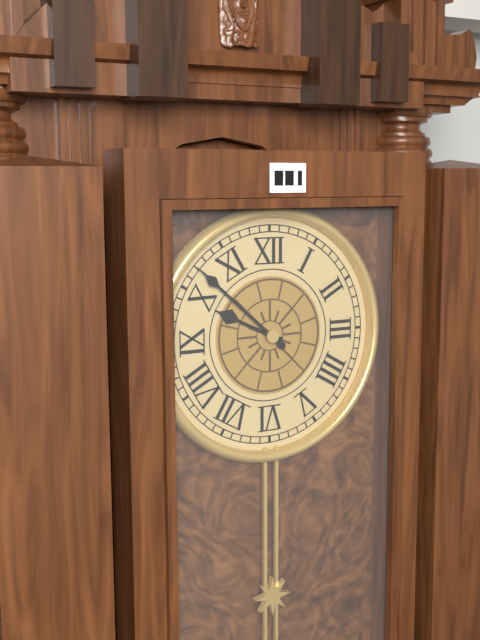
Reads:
{"hour": 9, "minute": 52}
